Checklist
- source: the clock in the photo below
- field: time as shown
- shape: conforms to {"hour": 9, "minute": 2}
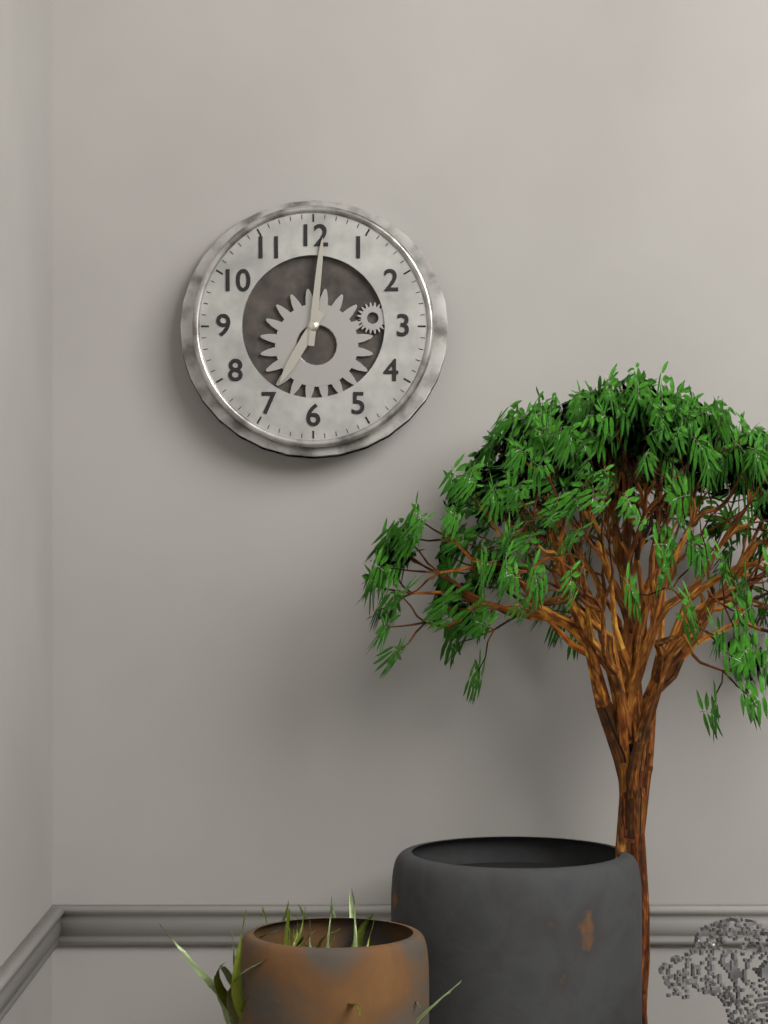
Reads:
{"hour": 7, "minute": 1}
